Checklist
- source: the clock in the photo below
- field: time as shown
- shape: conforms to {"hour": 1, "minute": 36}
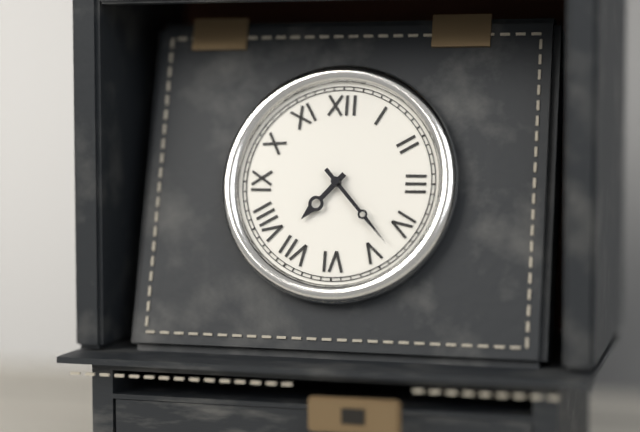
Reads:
{"hour": 7, "minute": 23}
